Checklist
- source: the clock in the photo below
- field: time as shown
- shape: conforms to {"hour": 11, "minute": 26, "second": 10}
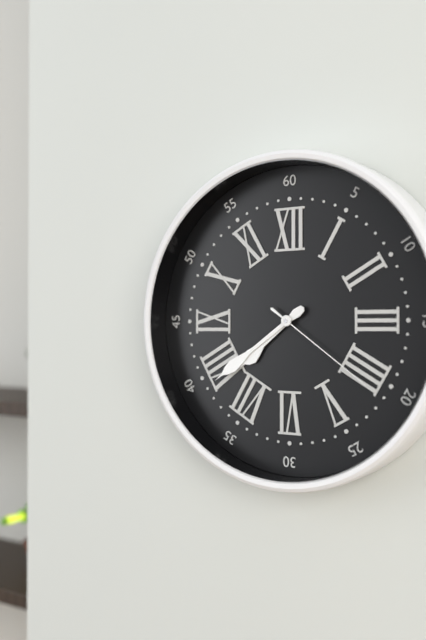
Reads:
{"hour": 7, "minute": 39, "second": 21}
